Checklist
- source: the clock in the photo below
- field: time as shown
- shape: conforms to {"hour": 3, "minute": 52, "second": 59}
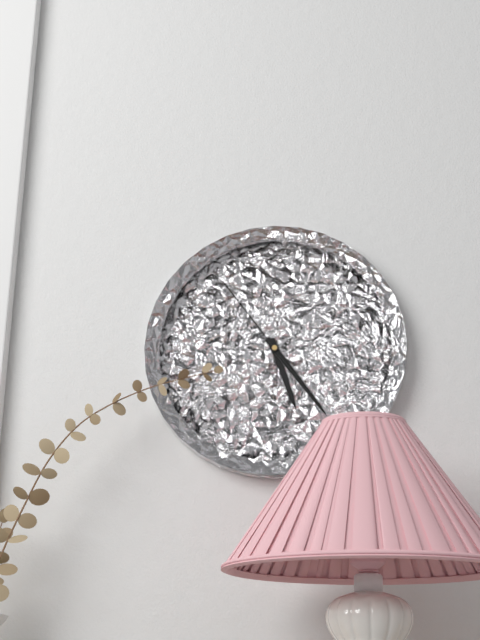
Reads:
{"hour": 5, "minute": 24, "second": 54}
